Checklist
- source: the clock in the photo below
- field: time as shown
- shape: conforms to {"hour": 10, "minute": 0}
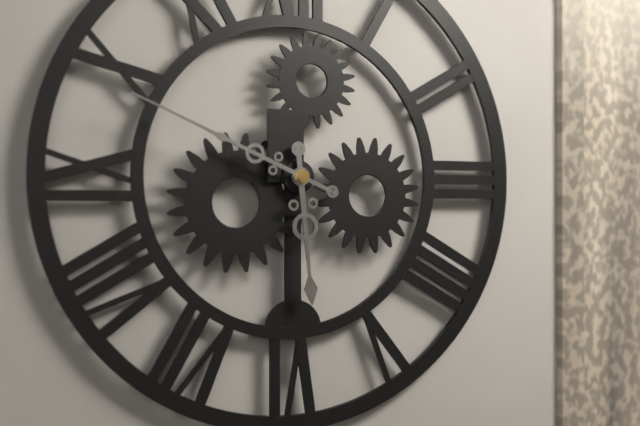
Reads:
{"hour": 5, "minute": 49}
